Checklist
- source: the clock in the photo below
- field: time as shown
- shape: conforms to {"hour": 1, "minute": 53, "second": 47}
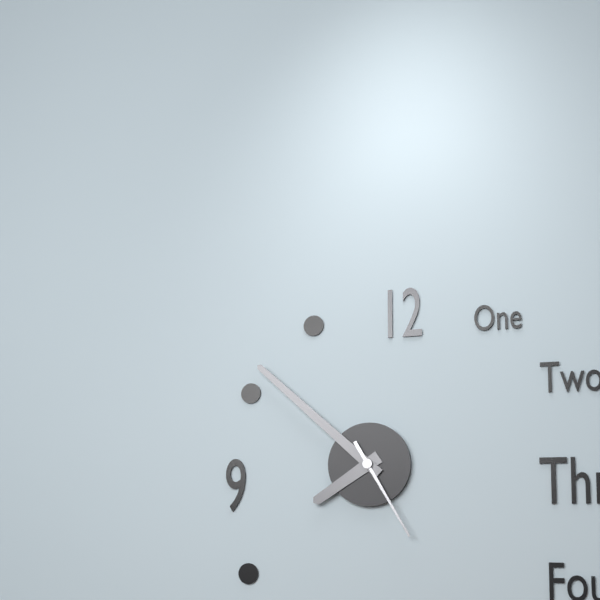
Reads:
{"hour": 7, "minute": 52, "second": 25}
